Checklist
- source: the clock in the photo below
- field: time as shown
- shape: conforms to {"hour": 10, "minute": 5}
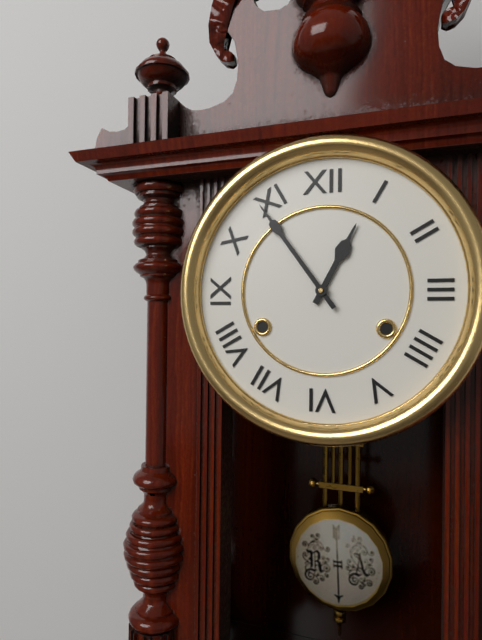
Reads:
{"hour": 12, "minute": 54}
